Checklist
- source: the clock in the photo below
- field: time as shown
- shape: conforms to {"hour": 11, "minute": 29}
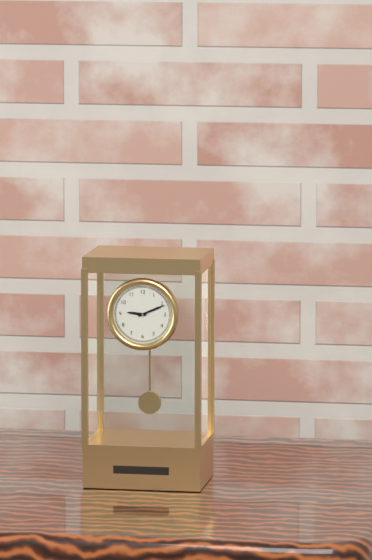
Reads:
{"hour": 9, "minute": 11}
